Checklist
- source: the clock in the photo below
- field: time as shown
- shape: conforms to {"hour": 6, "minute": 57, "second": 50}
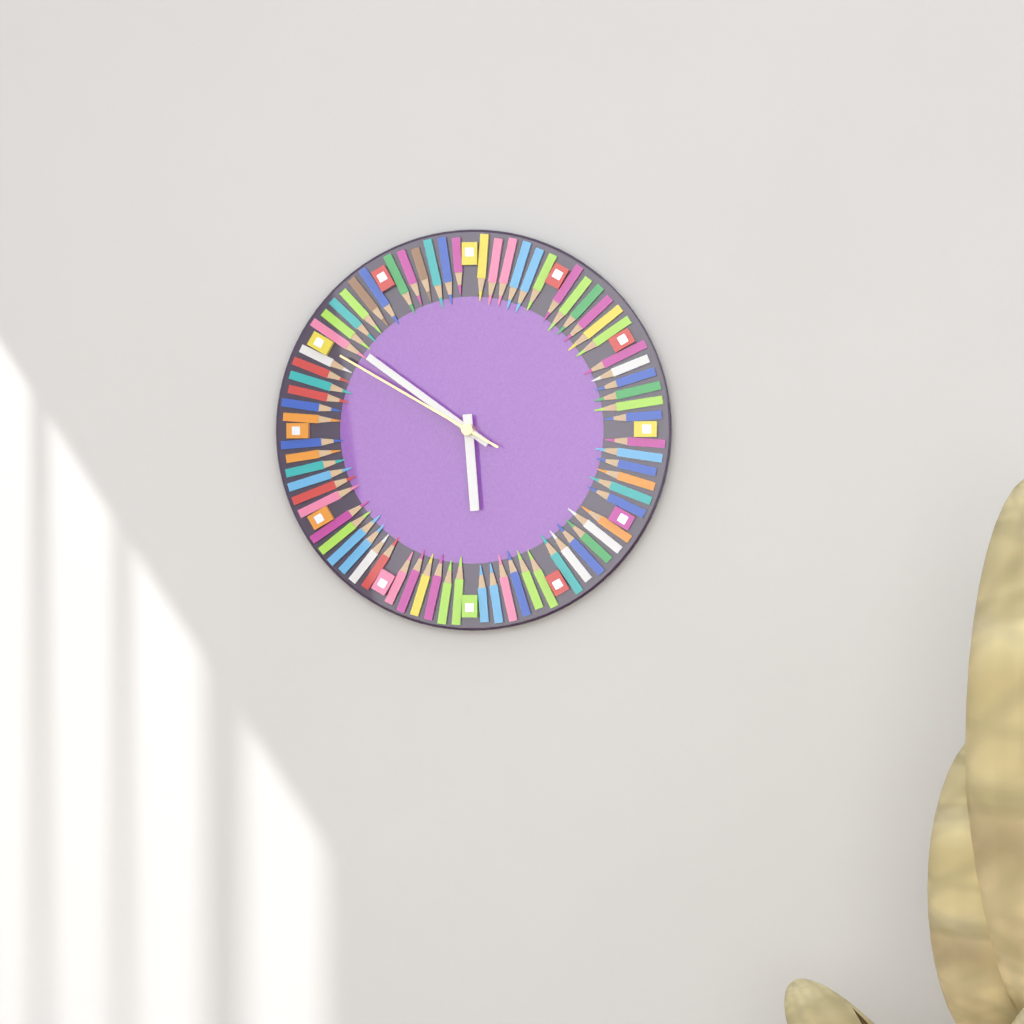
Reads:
{"hour": 5, "minute": 51, "second": 50}
